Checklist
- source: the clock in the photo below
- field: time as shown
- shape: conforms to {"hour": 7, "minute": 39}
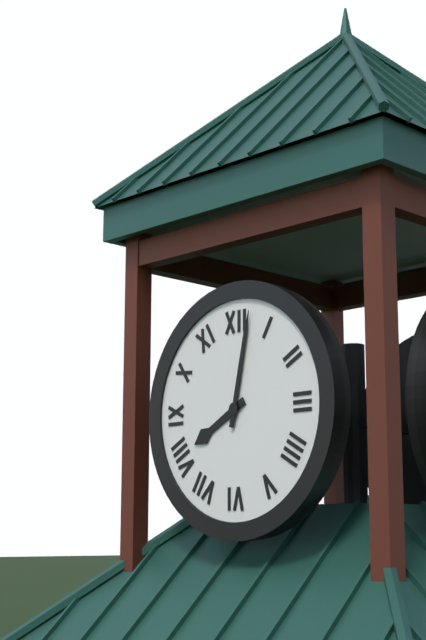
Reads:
{"hour": 8, "minute": 2}
